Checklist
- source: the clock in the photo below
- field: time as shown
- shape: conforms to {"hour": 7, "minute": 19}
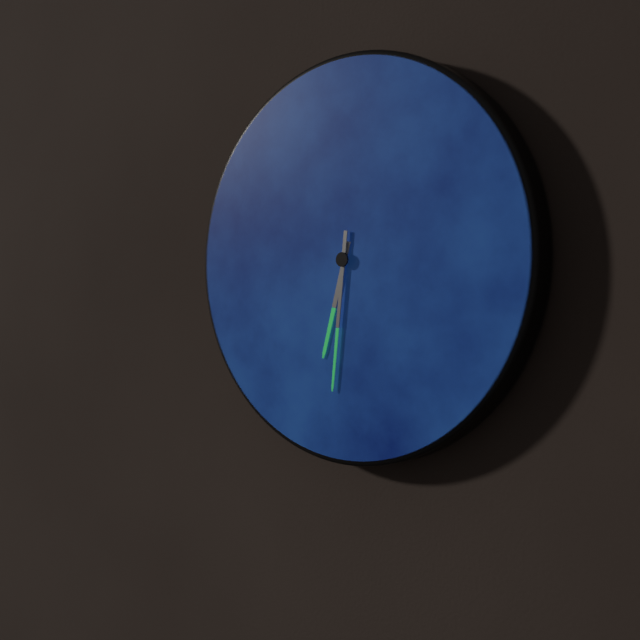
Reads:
{"hour": 6, "minute": 31}
